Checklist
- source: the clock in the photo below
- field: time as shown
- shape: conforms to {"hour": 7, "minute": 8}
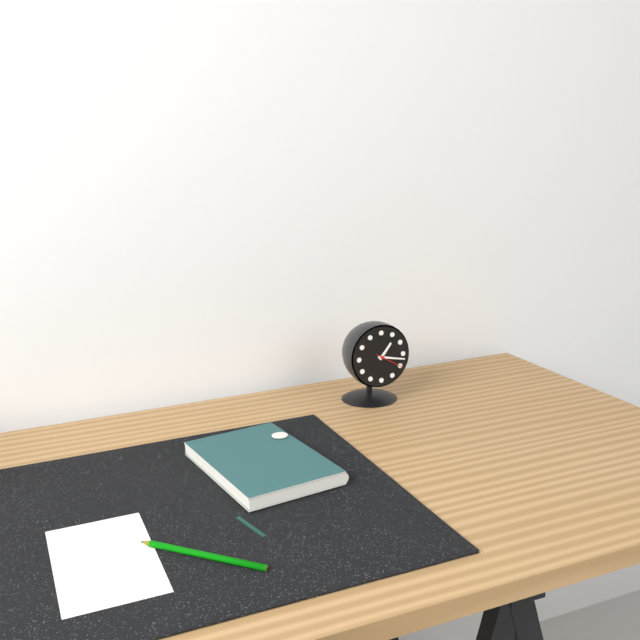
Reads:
{"hour": 1, "minute": 17}
